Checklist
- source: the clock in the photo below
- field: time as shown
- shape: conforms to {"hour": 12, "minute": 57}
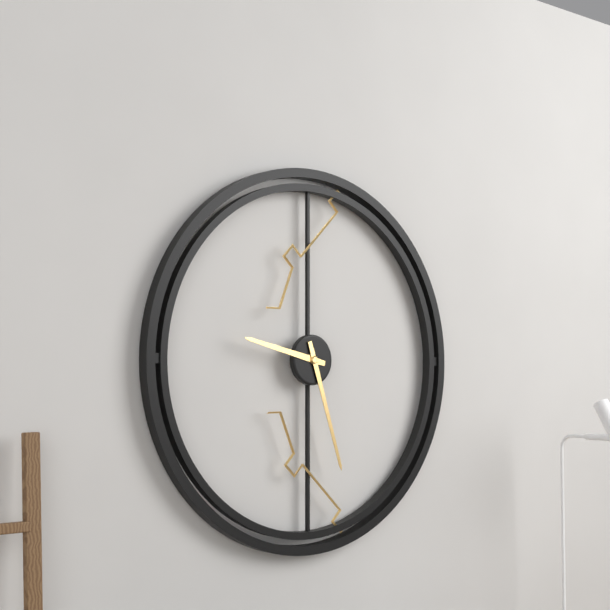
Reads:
{"hour": 9, "minute": 27}
